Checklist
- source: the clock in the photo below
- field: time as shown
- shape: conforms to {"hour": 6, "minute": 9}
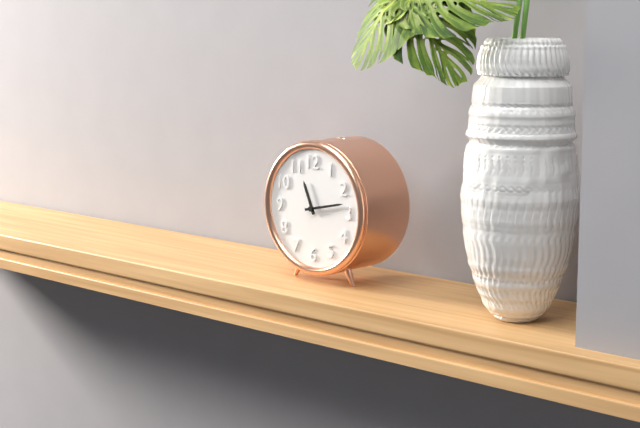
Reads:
{"hour": 11, "minute": 13}
